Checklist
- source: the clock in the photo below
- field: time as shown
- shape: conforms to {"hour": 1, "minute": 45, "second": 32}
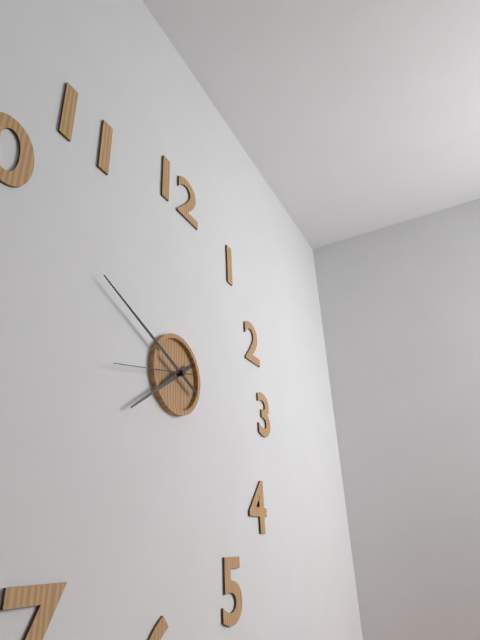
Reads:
{"hour": 7, "minute": 49, "second": 43}
